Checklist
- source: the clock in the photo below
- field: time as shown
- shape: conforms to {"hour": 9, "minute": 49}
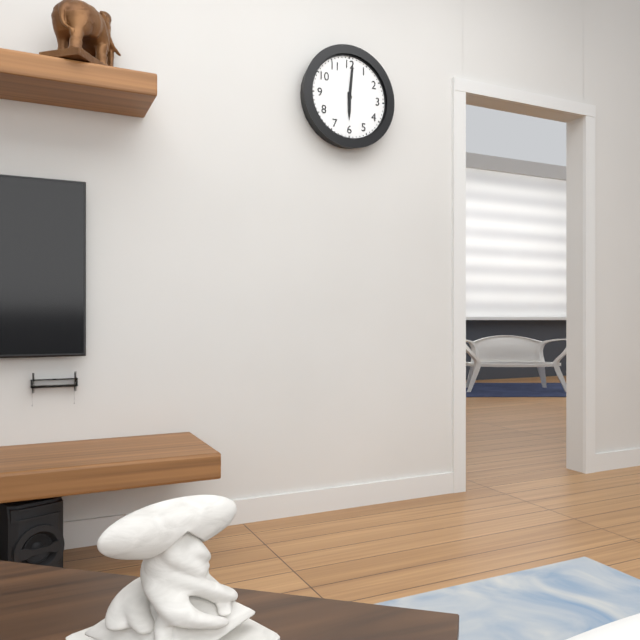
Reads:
{"hour": 6, "minute": 1}
